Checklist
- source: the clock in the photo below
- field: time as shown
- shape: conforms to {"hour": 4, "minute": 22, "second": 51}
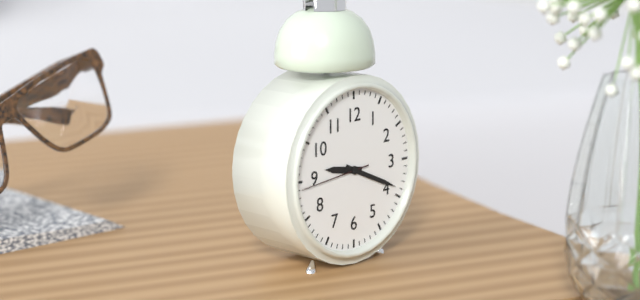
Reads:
{"hour": 9, "minute": 19, "second": 44}
